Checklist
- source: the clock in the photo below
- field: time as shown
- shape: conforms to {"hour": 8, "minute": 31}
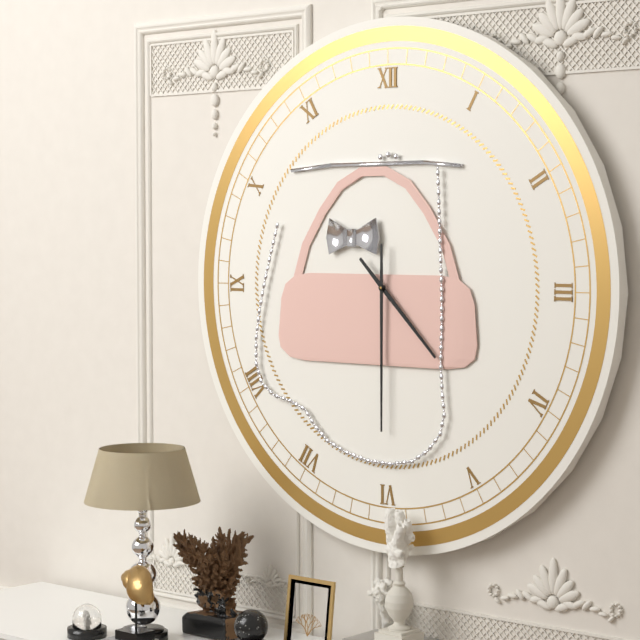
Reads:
{"hour": 4, "minute": 30}
